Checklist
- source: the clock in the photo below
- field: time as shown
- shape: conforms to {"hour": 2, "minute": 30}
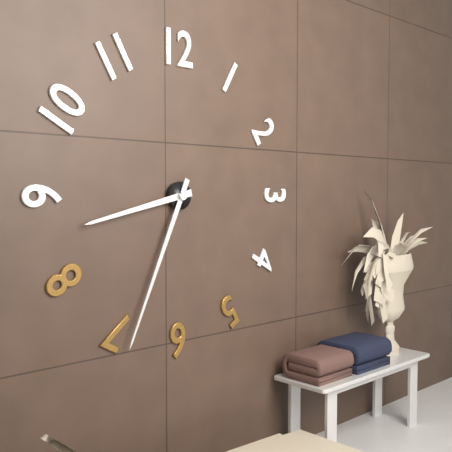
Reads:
{"hour": 8, "minute": 34}
